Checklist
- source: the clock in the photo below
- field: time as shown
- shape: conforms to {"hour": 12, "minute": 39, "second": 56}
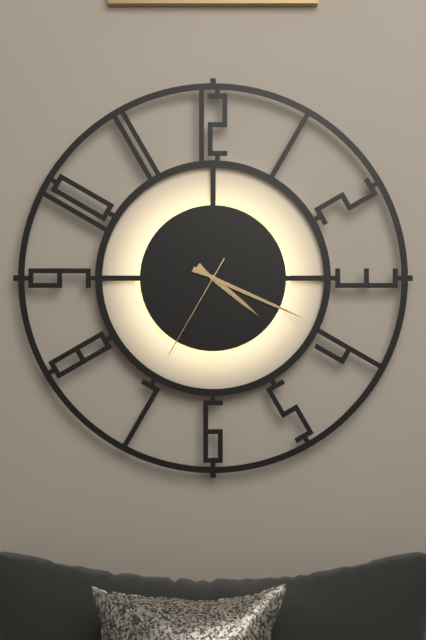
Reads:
{"hour": 4, "minute": 19, "second": 35}
